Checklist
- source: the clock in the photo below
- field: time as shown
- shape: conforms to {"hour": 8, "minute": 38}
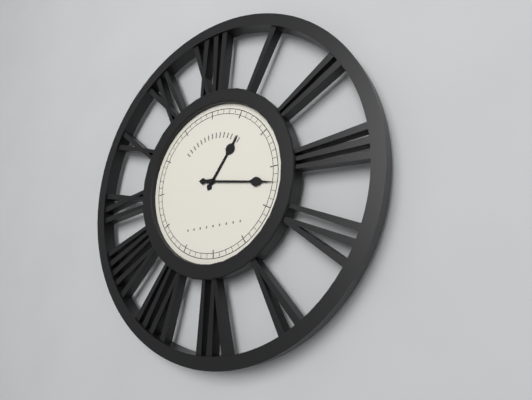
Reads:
{"hour": 1, "minute": 17}
